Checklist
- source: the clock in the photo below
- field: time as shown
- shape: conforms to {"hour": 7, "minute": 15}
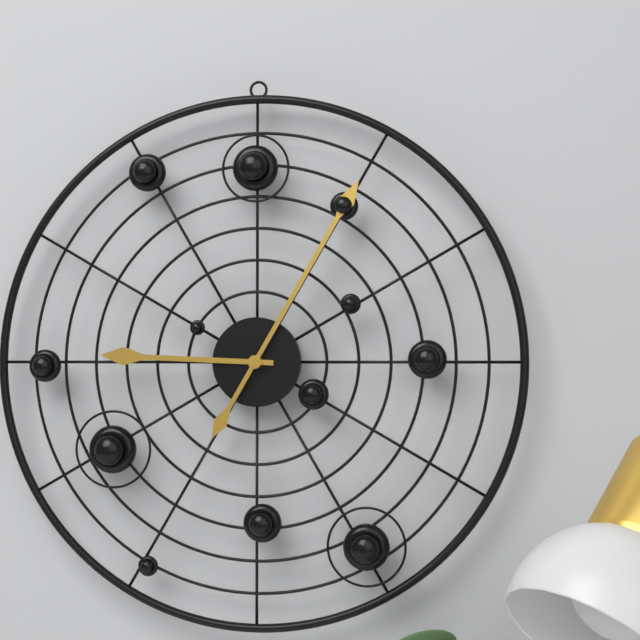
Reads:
{"hour": 9, "minute": 5}
